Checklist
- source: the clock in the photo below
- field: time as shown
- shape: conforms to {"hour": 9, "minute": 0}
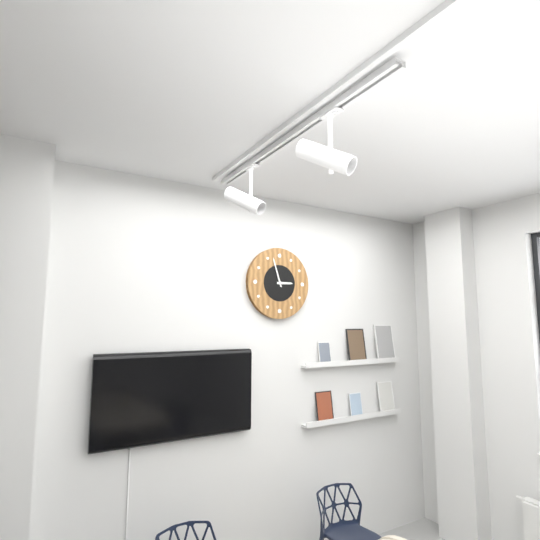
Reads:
{"hour": 2, "minute": 57}
